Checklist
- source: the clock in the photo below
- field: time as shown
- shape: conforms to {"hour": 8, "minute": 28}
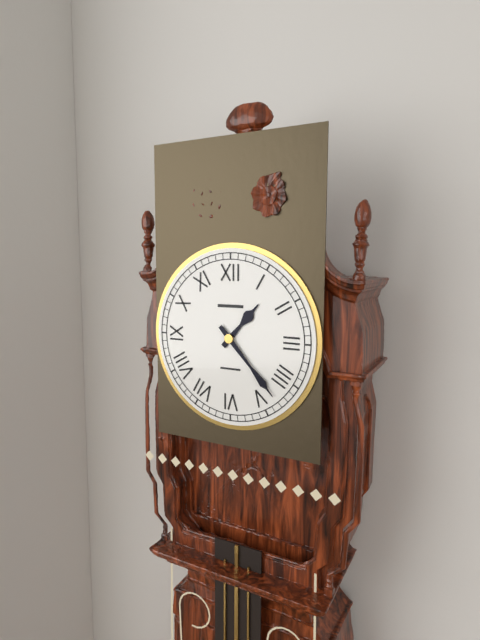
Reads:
{"hour": 1, "minute": 23}
